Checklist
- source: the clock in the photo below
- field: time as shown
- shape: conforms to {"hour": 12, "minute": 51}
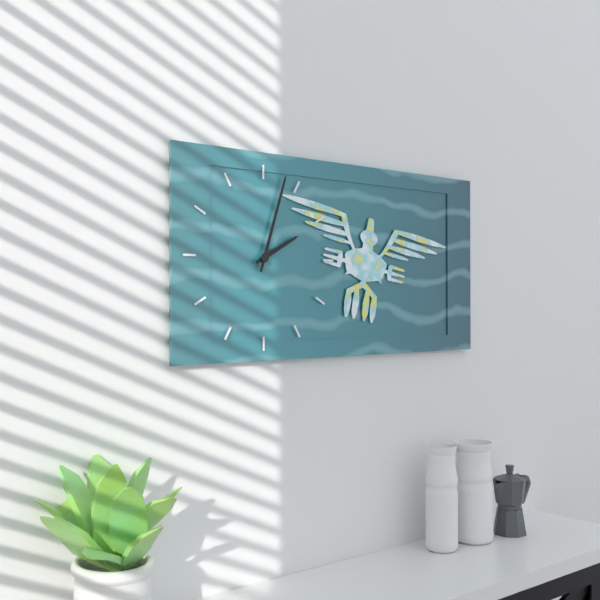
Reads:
{"hour": 2, "minute": 3}
